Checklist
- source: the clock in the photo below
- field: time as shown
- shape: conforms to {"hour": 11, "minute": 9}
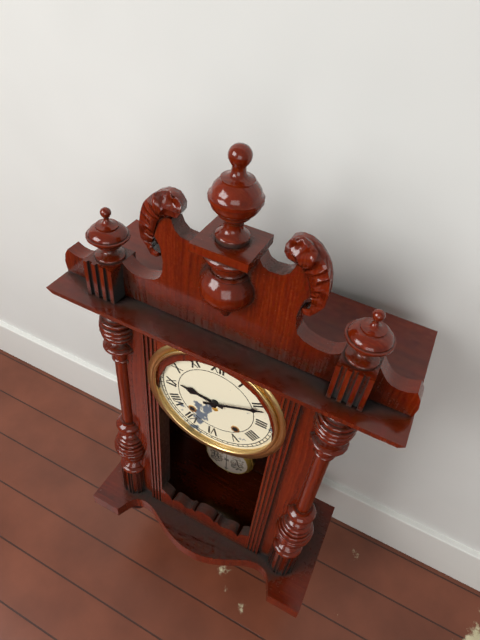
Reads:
{"hour": 9, "minute": 11}
